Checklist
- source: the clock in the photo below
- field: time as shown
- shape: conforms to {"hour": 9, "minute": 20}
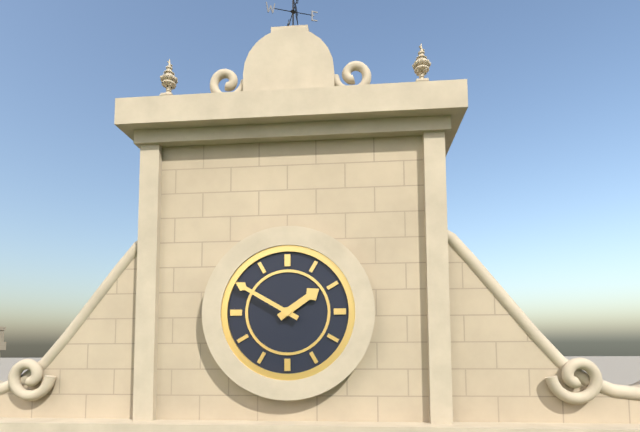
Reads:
{"hour": 1, "minute": 50}
